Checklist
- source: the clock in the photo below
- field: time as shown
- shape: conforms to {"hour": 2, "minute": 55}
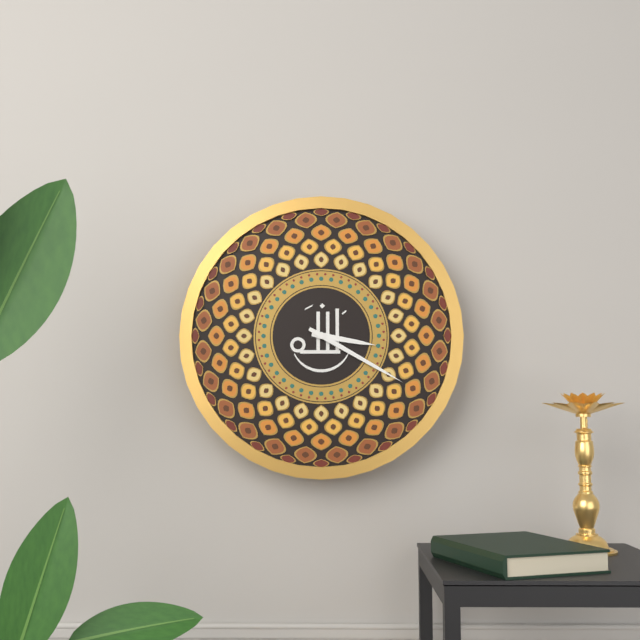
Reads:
{"hour": 3, "minute": 20}
